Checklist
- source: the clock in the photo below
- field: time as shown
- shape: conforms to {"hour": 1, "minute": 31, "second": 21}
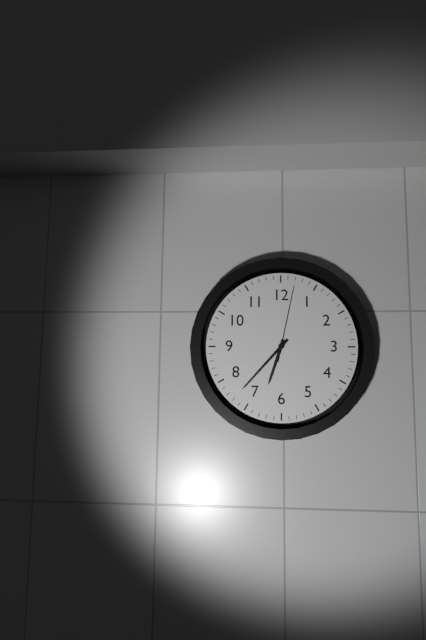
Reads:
{"hour": 6, "minute": 37, "second": 2}
